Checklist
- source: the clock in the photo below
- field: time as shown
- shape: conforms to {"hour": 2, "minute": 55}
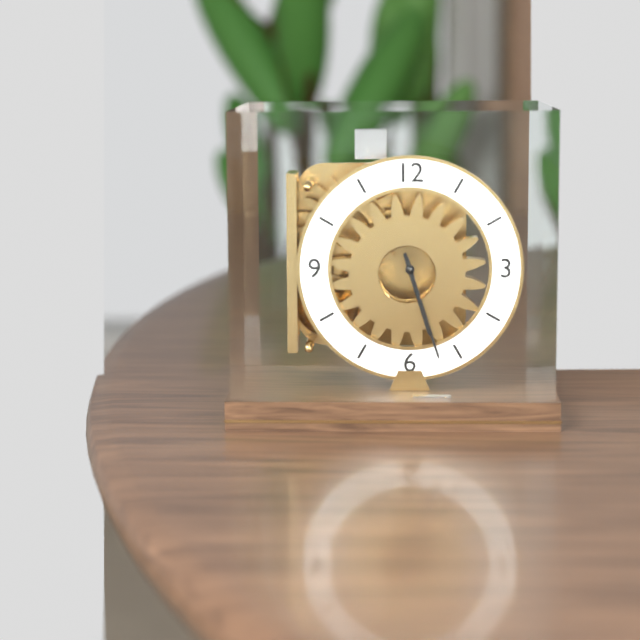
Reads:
{"hour": 5, "minute": 27}
